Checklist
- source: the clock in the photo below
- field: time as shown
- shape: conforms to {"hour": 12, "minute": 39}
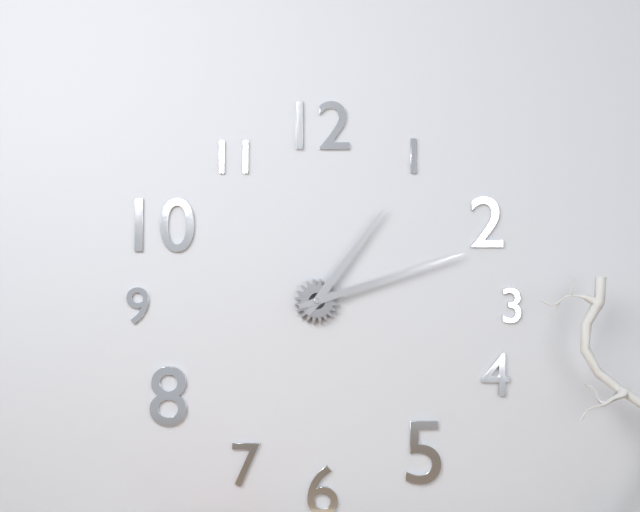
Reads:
{"hour": 1, "minute": 12}
